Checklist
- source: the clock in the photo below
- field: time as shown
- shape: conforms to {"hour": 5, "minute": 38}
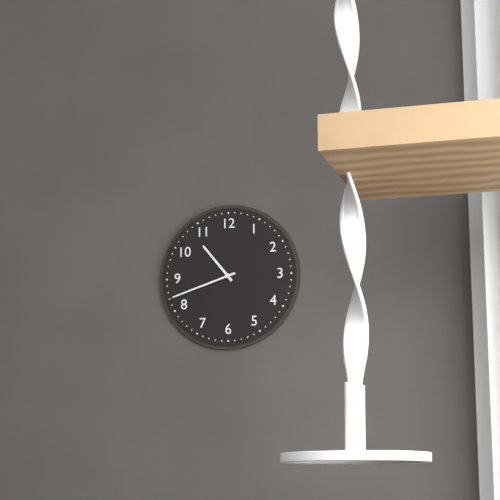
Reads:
{"hour": 10, "minute": 42}
